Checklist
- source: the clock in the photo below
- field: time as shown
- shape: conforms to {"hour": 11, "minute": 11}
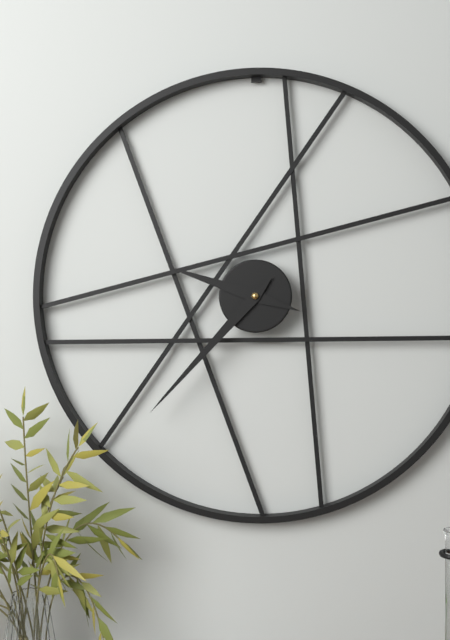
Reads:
{"hour": 9, "minute": 37}
